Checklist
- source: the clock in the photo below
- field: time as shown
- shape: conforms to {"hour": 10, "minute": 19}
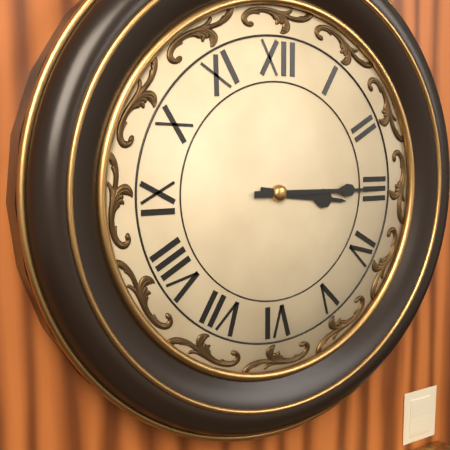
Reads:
{"hour": 3, "minute": 15}
